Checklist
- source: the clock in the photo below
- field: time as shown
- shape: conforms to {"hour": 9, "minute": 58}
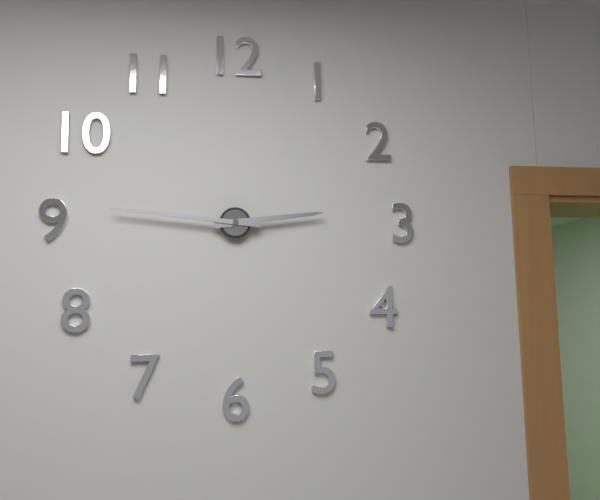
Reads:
{"hour": 2, "minute": 46}
